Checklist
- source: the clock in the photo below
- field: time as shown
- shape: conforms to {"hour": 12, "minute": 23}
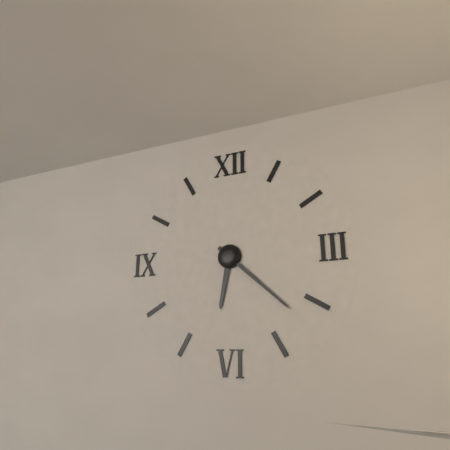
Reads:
{"hour": 6, "minute": 22}
